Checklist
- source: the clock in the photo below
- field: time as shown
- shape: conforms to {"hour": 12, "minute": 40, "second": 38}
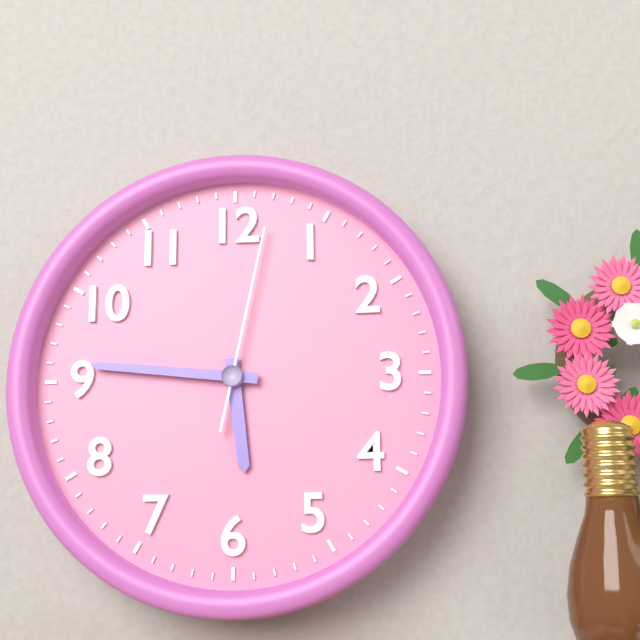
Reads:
{"hour": 5, "minute": 46, "second": 2}
